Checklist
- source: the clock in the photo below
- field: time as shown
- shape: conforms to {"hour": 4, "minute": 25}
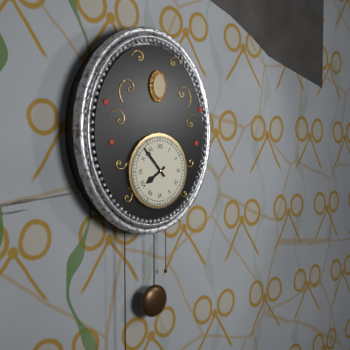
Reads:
{"hour": 7, "minute": 53}
